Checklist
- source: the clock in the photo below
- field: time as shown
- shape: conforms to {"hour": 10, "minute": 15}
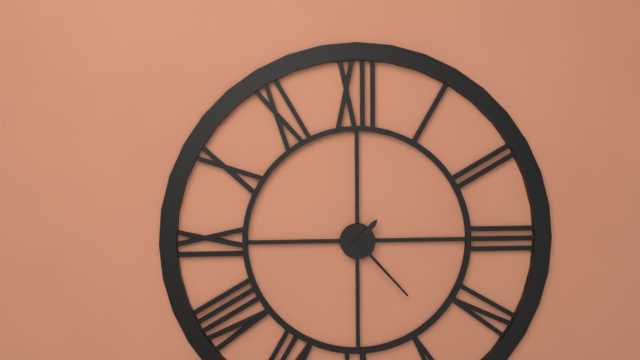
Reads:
{"hour": 1, "minute": 23}
